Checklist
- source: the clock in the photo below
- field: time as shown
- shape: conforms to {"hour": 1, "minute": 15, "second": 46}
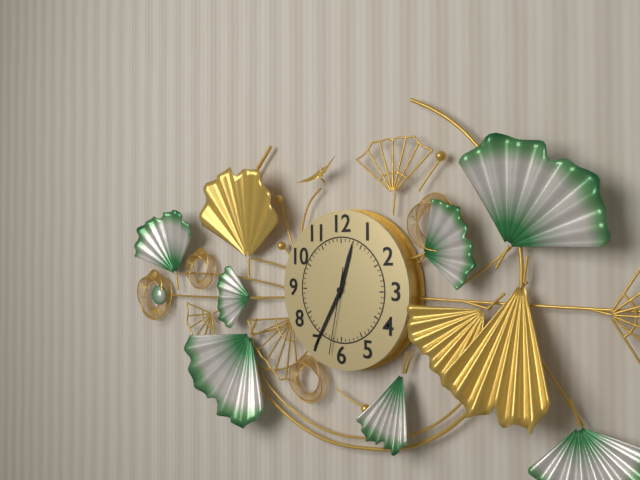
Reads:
{"hour": 12, "minute": 35, "second": 32}
